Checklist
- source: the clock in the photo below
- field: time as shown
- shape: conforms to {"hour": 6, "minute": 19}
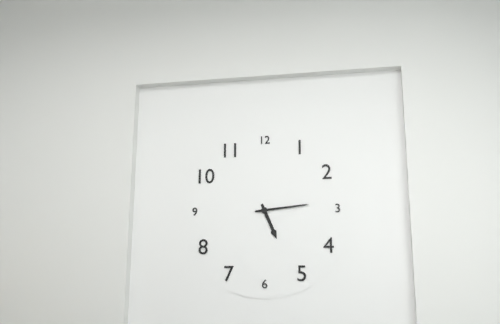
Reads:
{"hour": 5, "minute": 14}
